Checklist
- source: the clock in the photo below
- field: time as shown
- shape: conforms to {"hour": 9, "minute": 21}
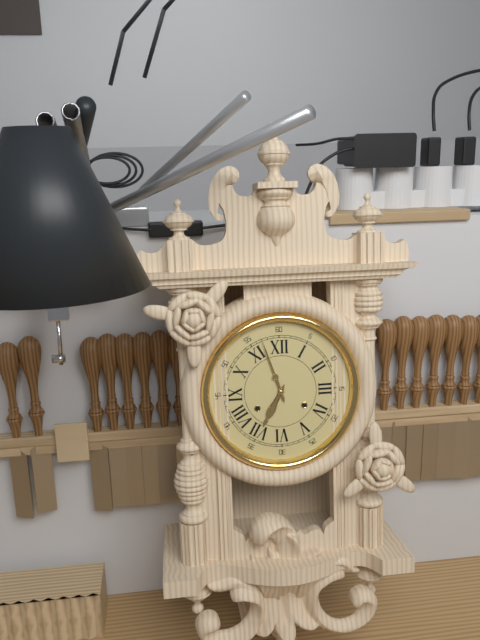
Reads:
{"hour": 6, "minute": 57}
